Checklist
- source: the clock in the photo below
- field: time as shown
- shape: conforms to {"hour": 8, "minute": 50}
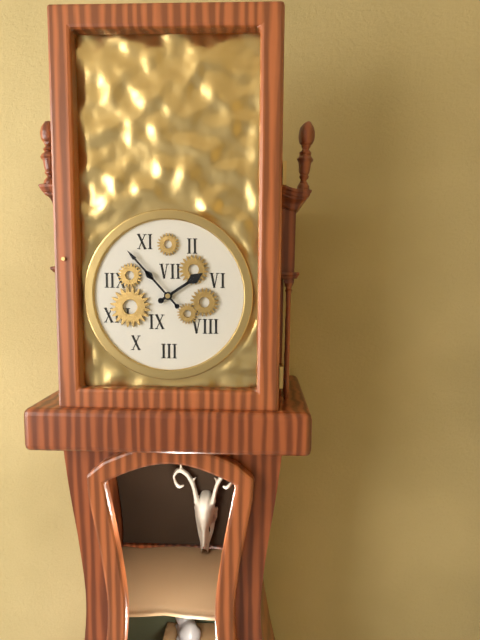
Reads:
{"hour": 1, "minute": 53}
